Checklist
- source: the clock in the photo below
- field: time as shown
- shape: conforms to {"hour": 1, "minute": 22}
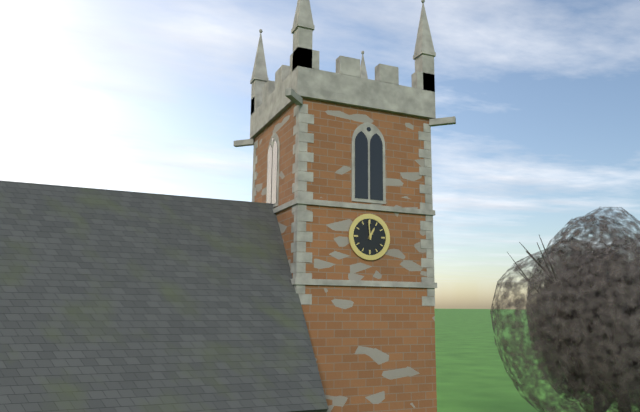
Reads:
{"hour": 12, "minute": 59}
